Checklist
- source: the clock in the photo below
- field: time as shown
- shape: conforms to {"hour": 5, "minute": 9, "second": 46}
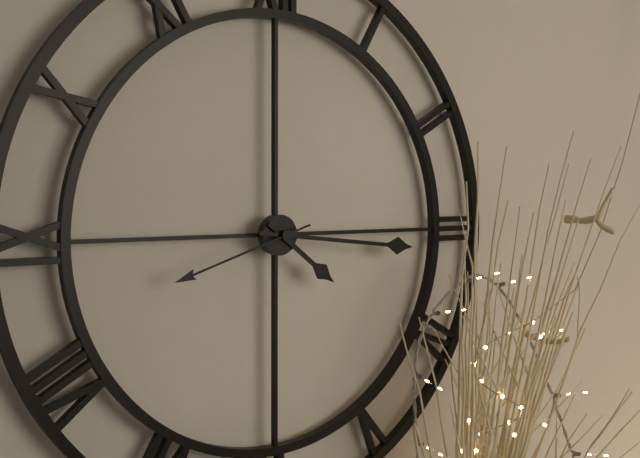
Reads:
{"hour": 4, "minute": 16, "second": 42}
